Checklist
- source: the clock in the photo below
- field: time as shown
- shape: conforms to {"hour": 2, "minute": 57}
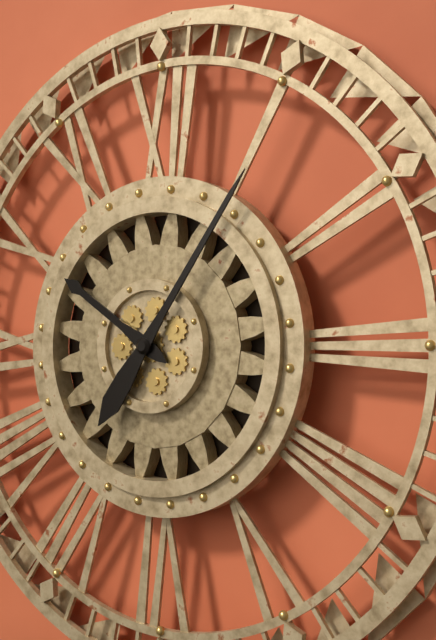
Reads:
{"hour": 10, "minute": 6}
